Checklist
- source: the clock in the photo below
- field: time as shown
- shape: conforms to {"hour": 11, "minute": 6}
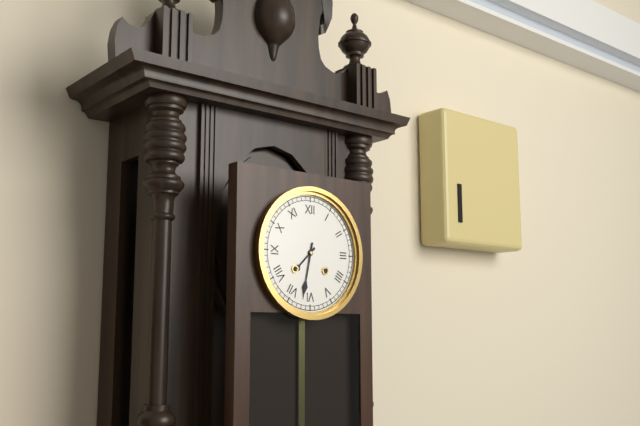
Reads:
{"hour": 7, "minute": 32}
